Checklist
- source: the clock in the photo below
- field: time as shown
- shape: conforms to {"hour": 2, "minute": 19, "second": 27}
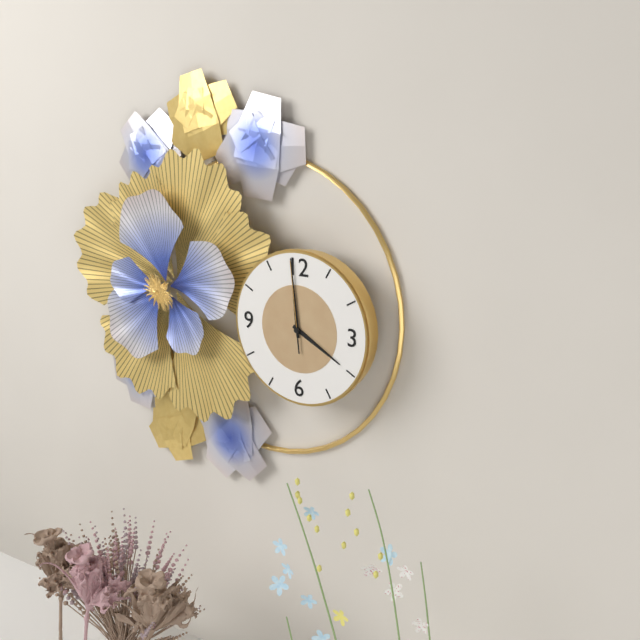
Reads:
{"hour": 3, "minute": 59, "second": 59}
